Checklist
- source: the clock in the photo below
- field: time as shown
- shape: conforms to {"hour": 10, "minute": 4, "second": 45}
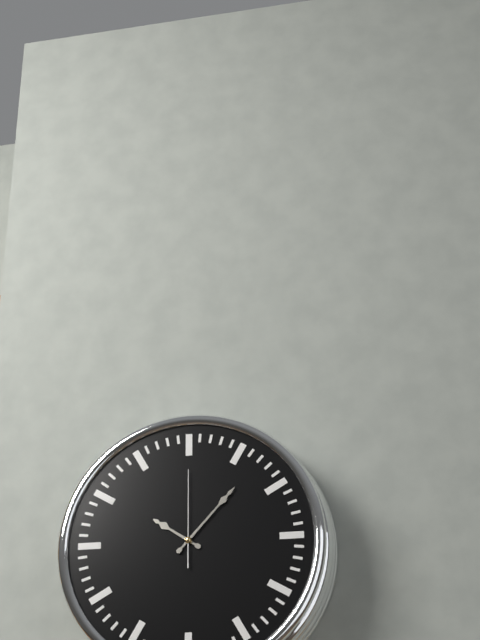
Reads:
{"hour": 10, "minute": 7, "second": 0}
